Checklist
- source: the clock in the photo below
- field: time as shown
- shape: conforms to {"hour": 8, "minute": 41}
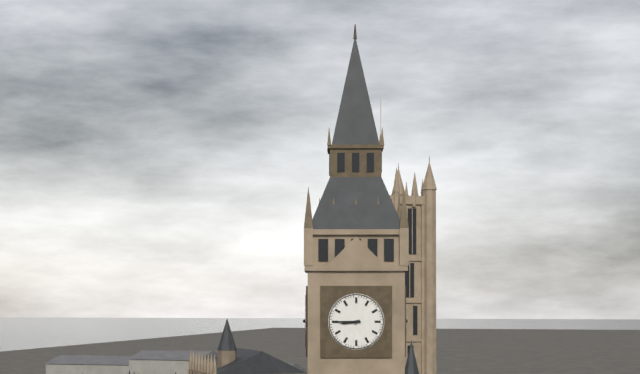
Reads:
{"hour": 8, "minute": 45}
